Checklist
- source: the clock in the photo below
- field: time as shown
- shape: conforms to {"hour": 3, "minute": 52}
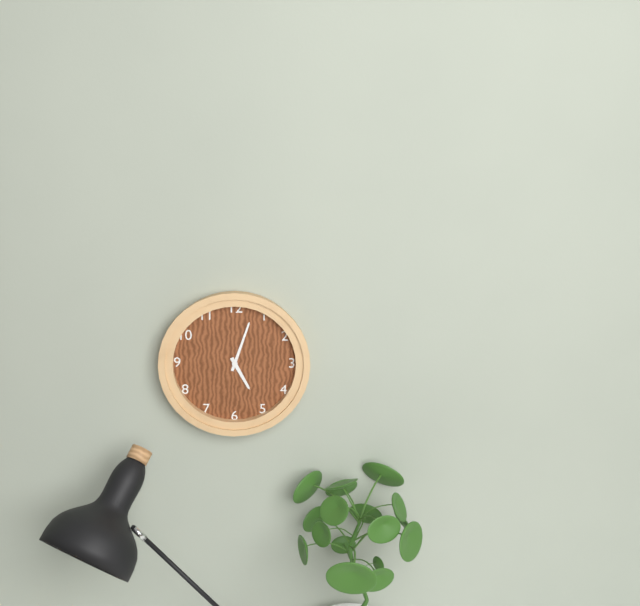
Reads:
{"hour": 5, "minute": 3}
